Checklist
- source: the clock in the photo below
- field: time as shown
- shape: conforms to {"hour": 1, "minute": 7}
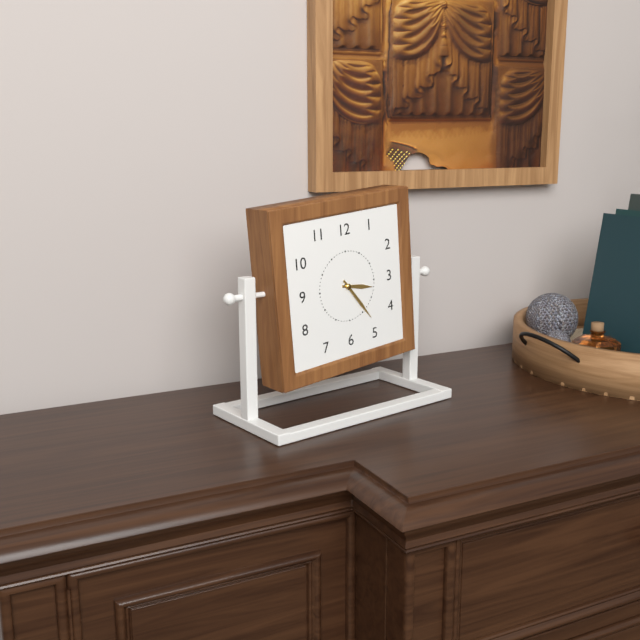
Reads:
{"hour": 3, "minute": 24}
